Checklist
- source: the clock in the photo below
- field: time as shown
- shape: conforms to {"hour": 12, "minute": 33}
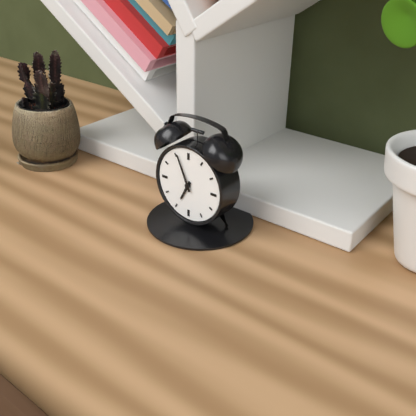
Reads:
{"hour": 6, "minute": 56}
